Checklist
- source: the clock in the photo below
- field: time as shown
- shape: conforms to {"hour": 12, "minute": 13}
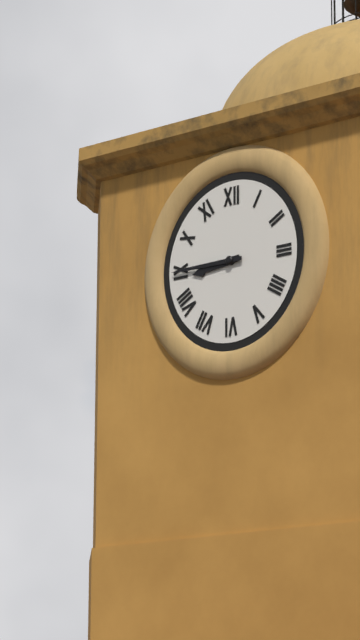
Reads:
{"hour": 8, "minute": 45}
